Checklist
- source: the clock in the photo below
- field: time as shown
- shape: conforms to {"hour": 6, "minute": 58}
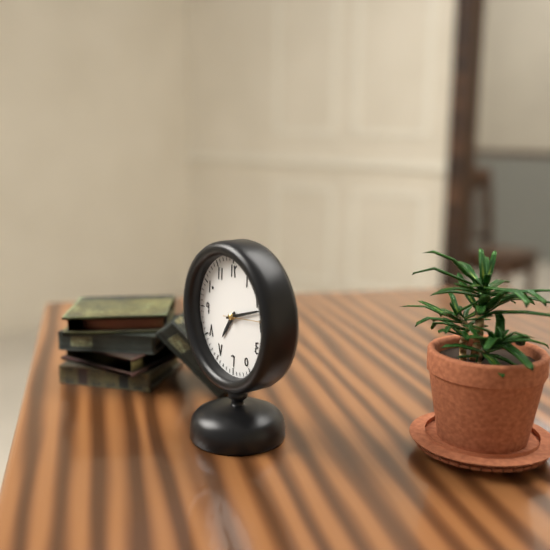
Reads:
{"hour": 7, "minute": 12}
